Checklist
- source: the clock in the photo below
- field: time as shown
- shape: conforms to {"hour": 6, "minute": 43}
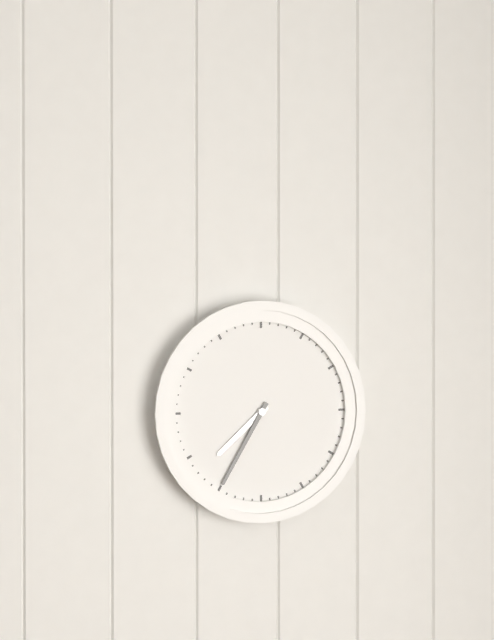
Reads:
{"hour": 7, "minute": 35}
